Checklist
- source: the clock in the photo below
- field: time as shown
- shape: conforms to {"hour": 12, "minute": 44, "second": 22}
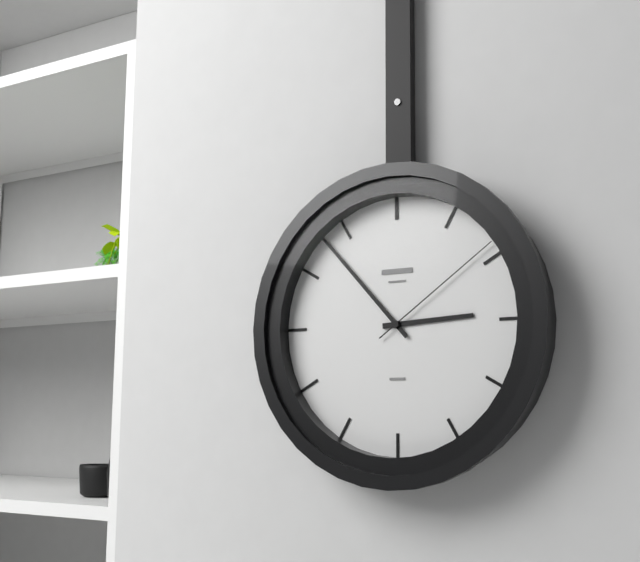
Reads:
{"hour": 2, "minute": 53, "second": 9}
